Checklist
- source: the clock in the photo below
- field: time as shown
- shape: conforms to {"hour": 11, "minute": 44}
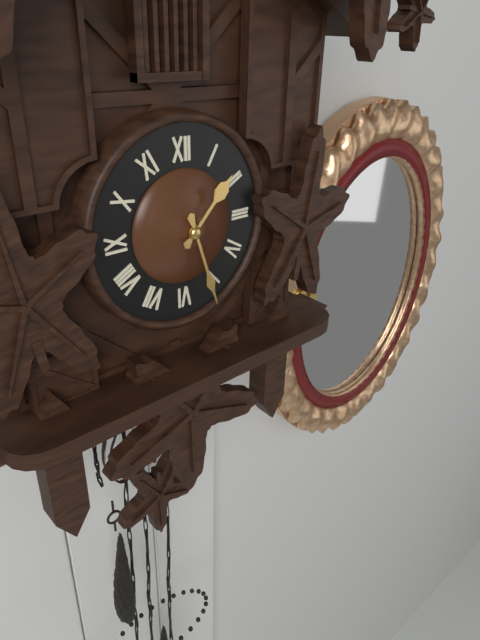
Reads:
{"hour": 1, "minute": 27}
